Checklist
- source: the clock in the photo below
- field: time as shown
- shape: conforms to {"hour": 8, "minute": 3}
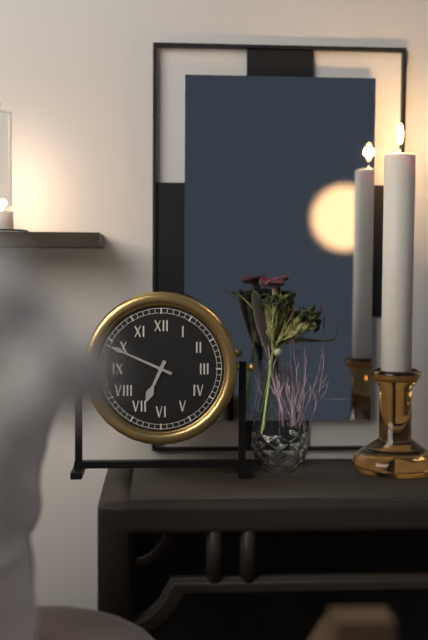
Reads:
{"hour": 6, "minute": 49}
